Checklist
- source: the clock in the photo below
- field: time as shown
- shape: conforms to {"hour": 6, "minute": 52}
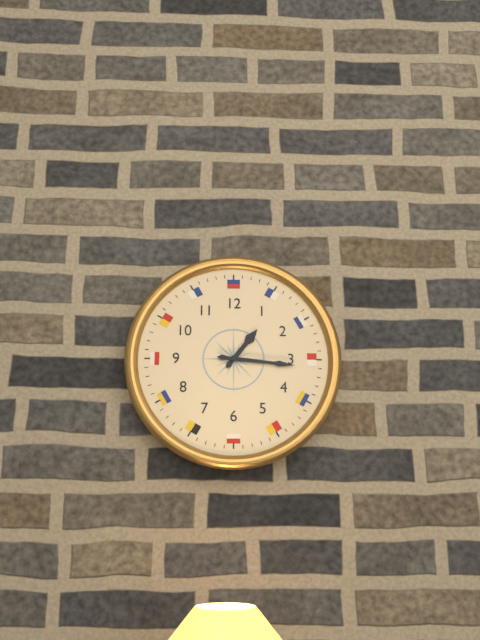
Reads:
{"hour": 1, "minute": 16}
